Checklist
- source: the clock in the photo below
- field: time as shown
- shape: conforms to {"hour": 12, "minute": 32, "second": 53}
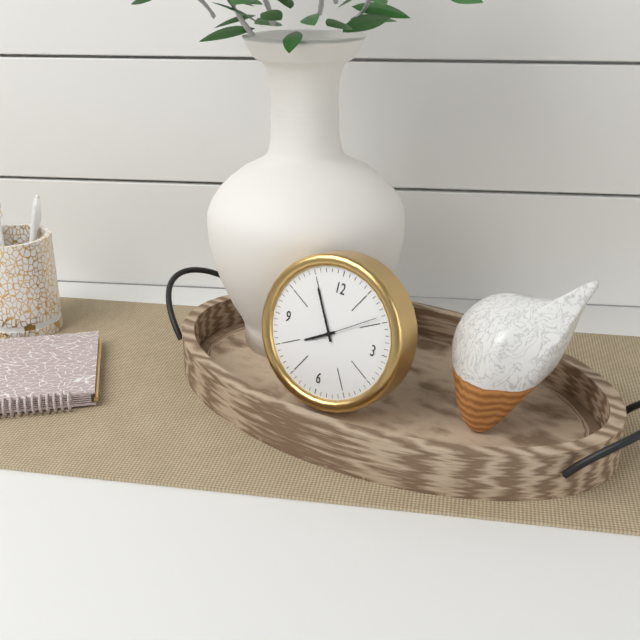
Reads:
{"hour": 7, "minute": 55, "second": 9}
